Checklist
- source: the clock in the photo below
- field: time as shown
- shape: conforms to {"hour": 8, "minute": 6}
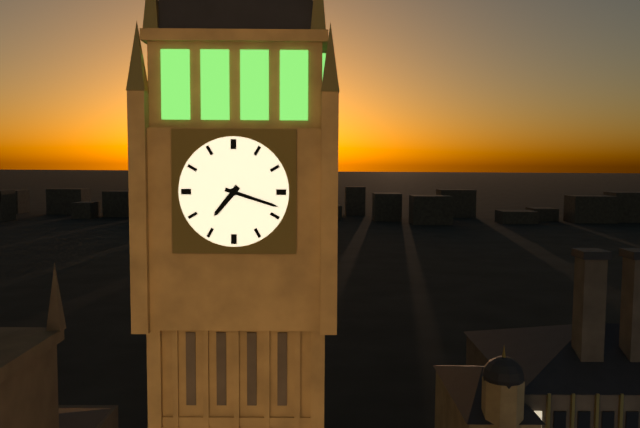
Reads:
{"hour": 7, "minute": 18}
